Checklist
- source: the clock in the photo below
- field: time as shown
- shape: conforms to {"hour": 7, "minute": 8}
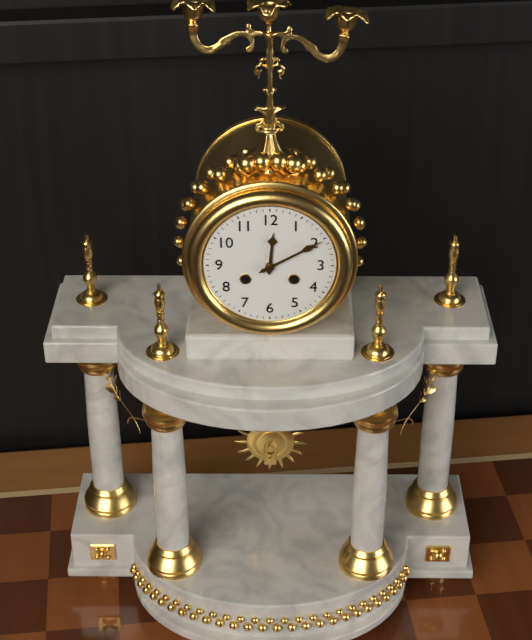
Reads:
{"hour": 12, "minute": 10}
